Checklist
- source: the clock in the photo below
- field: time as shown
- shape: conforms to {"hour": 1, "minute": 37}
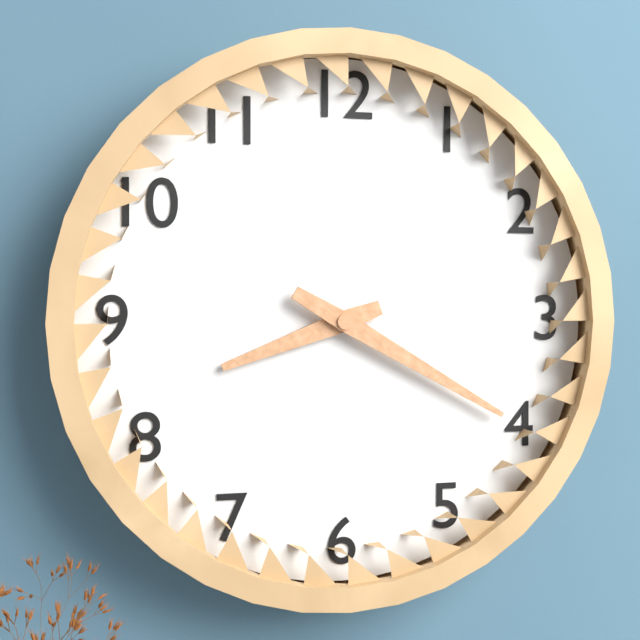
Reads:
{"hour": 8, "minute": 20}
